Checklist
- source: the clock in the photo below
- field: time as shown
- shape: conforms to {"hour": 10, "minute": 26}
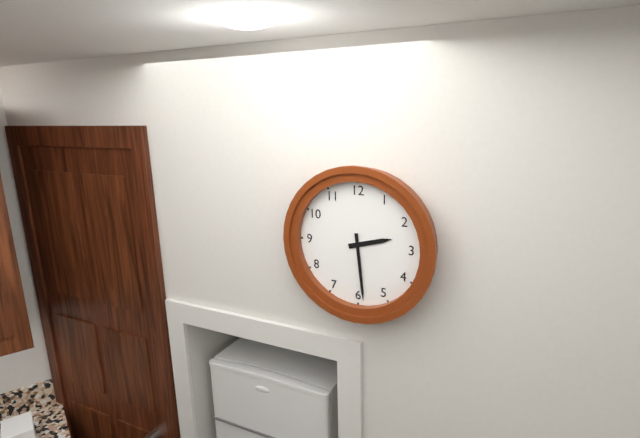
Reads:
{"hour": 2, "minute": 29}
